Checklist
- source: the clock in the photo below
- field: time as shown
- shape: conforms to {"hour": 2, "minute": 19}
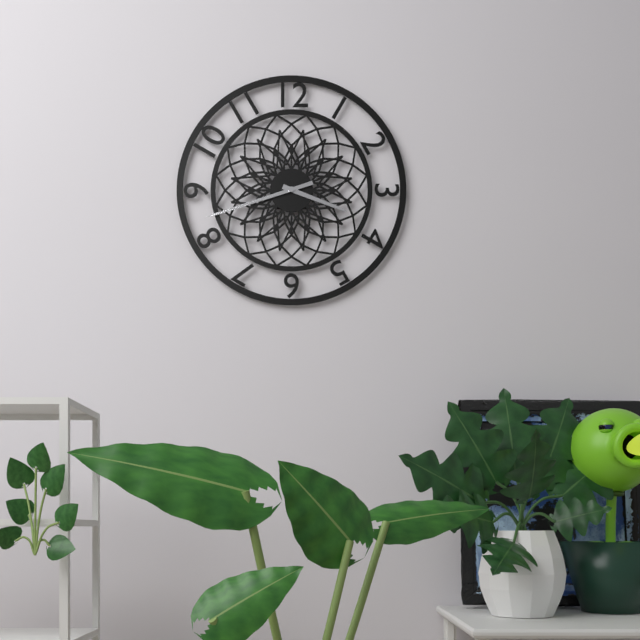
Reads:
{"hour": 3, "minute": 42}
